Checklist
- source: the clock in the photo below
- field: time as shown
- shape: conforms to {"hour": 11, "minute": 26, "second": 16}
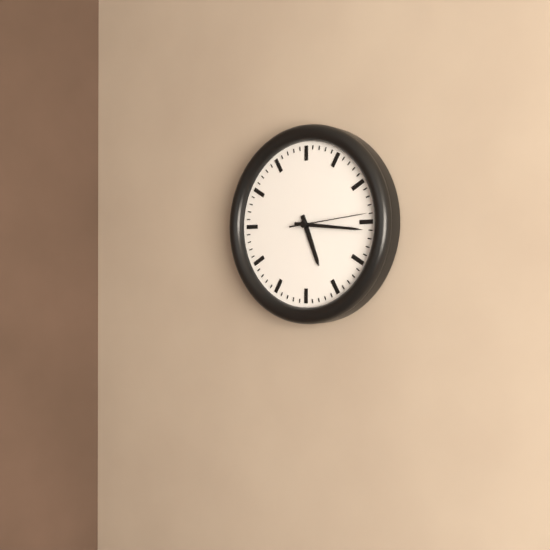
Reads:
{"hour": 5, "minute": 16, "second": 14}
